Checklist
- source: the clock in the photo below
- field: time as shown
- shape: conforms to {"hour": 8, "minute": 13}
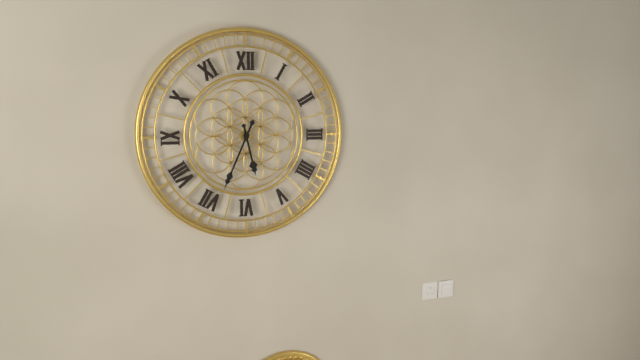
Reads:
{"hour": 5, "minute": 34}
